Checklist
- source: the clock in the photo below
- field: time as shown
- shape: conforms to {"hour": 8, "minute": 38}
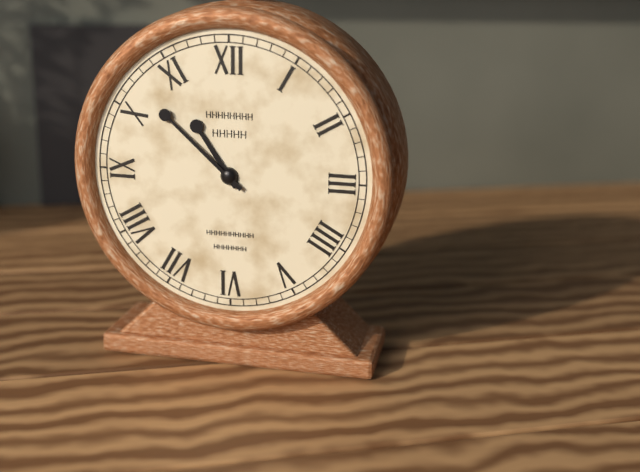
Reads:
{"hour": 10, "minute": 52}
